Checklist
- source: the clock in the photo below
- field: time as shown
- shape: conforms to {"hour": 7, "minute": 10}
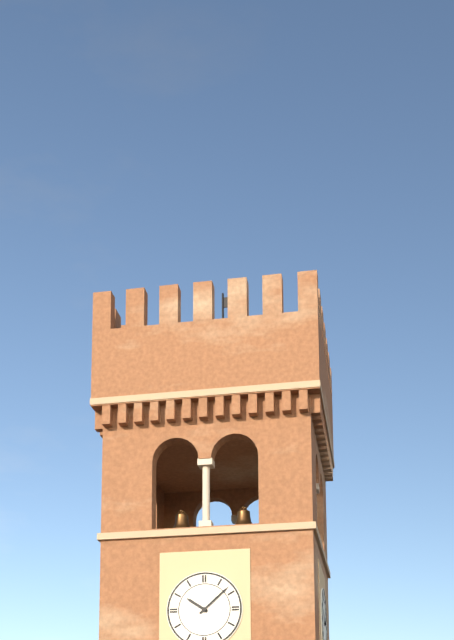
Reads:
{"hour": 10, "minute": 8}
